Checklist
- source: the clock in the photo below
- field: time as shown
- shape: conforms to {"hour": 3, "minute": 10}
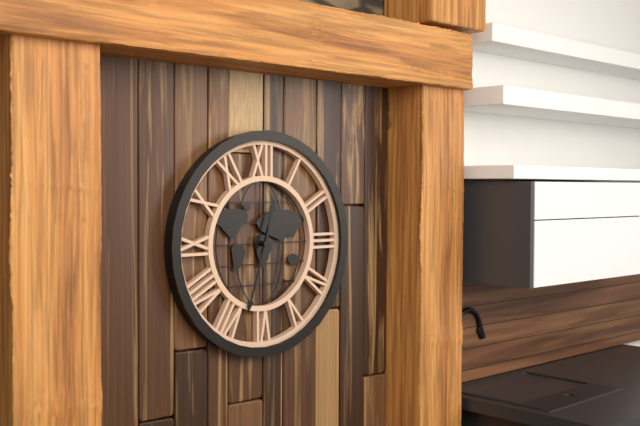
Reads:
{"hour": 12, "minute": 33}
